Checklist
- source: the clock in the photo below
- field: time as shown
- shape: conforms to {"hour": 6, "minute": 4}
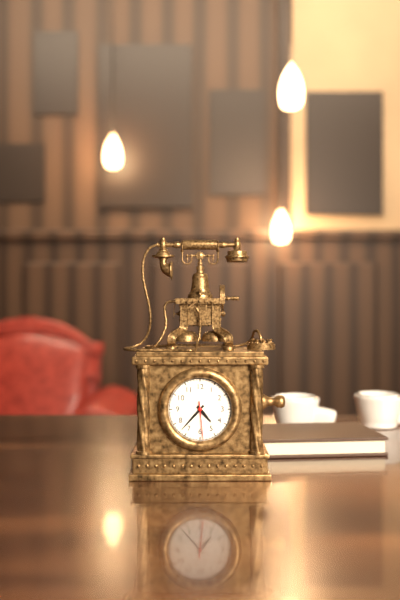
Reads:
{"hour": 4, "minute": 37}
